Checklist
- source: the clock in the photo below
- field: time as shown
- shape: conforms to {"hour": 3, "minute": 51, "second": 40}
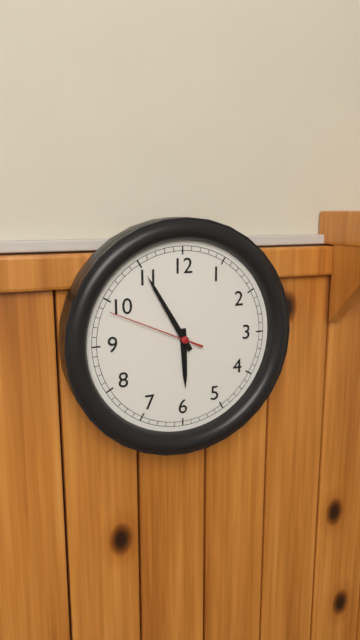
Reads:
{"hour": 5, "minute": 55, "second": 49}
